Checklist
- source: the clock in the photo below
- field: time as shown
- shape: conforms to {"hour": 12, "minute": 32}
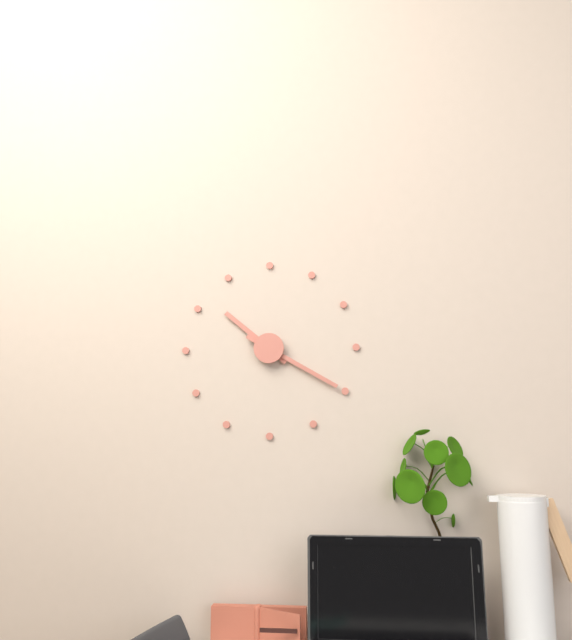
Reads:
{"hour": 10, "minute": 20}
